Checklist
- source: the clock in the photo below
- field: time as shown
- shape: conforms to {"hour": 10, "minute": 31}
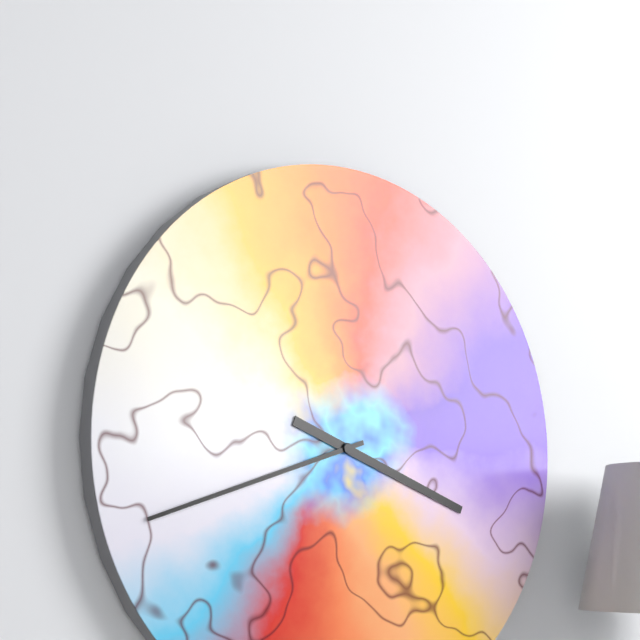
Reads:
{"hour": 3, "minute": 42}
